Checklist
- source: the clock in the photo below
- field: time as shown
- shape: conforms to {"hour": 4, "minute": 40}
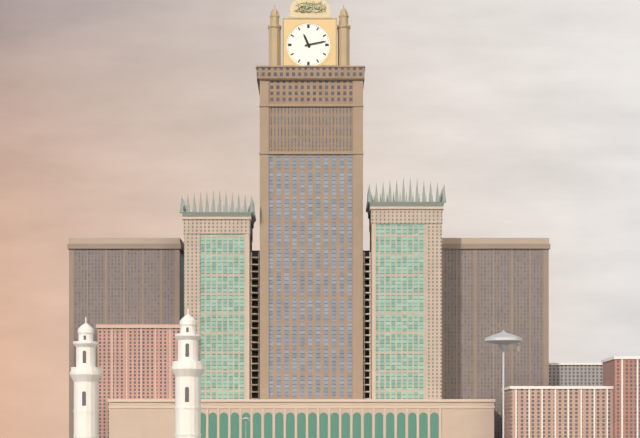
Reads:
{"hour": 11, "minute": 13}
